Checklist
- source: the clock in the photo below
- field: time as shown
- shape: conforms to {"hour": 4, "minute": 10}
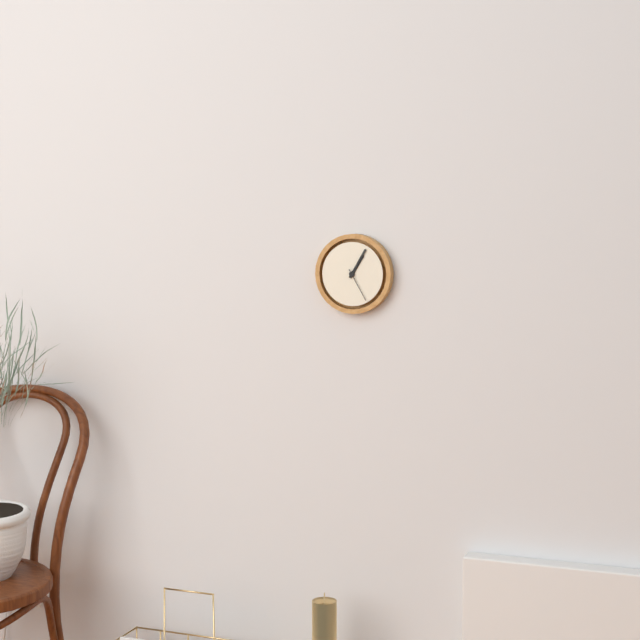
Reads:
{"hour": 1, "minute": 5}
